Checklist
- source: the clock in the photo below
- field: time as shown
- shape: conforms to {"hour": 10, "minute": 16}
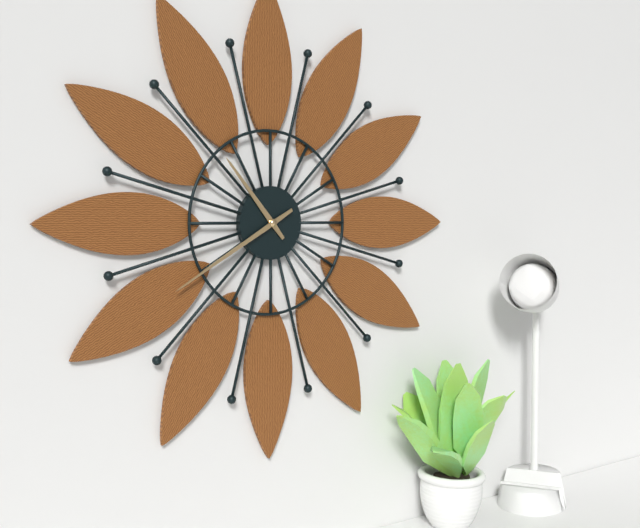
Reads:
{"hour": 10, "minute": 40}
